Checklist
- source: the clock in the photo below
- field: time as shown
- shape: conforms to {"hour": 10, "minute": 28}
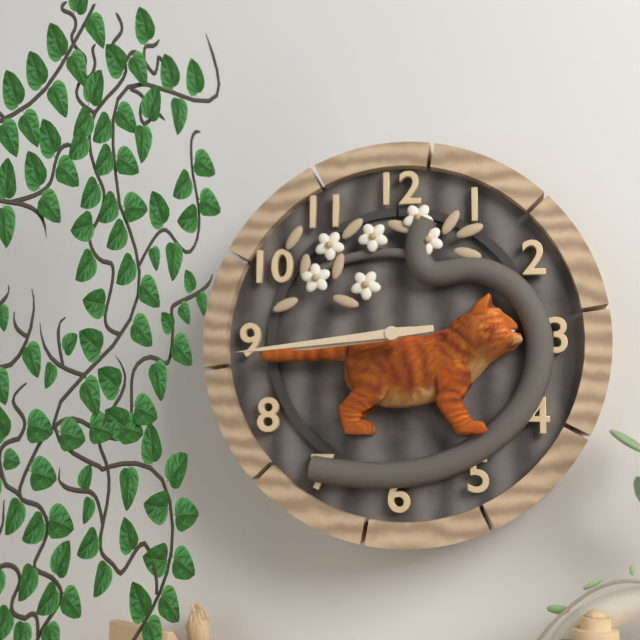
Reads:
{"hour": 8, "minute": 44}
